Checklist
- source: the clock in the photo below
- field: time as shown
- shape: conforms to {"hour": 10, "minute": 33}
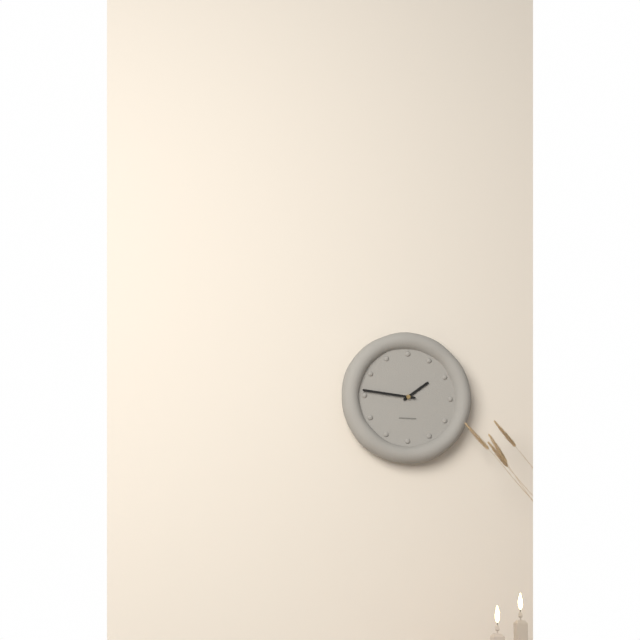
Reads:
{"hour": 1, "minute": 46}
